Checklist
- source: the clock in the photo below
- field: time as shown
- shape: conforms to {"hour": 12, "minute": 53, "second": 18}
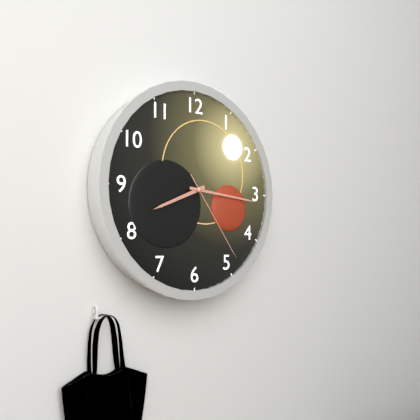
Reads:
{"hour": 8, "minute": 16, "second": 24}
